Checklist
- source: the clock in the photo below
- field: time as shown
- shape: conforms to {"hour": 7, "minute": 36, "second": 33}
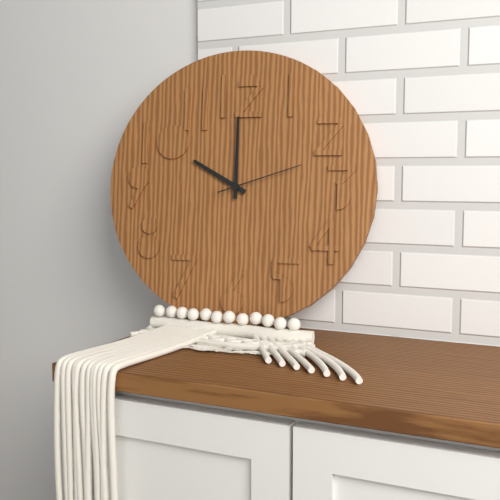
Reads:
{"hour": 10, "minute": 0, "second": 12}
